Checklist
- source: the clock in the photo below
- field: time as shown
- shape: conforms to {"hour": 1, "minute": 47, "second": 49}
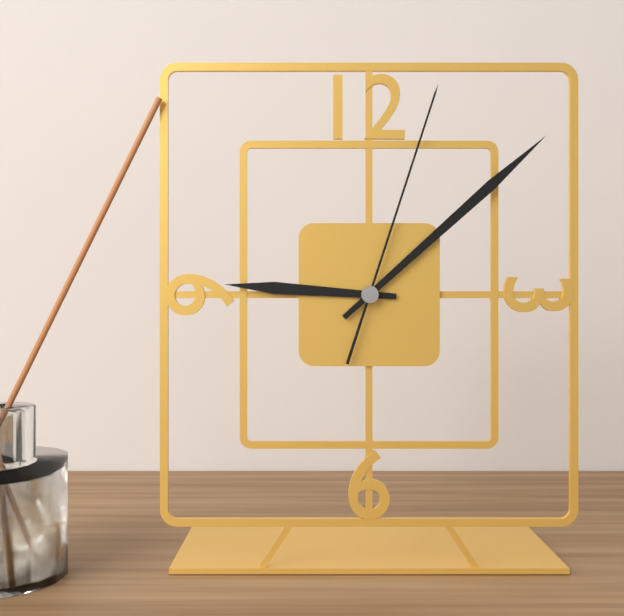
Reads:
{"hour": 9, "minute": 8, "second": 3}
